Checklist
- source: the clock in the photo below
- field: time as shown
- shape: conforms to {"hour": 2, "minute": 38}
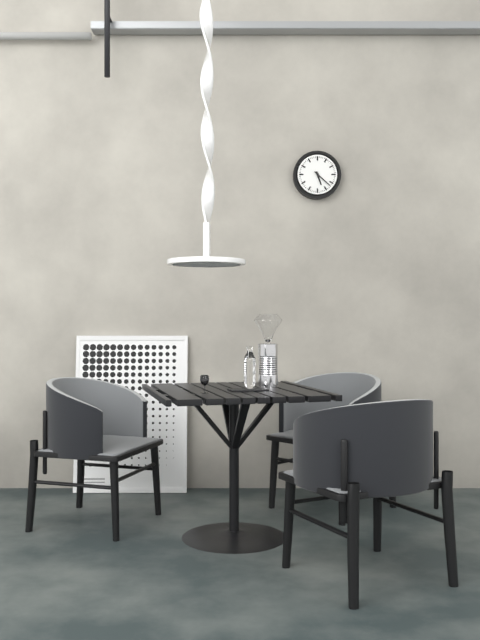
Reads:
{"hour": 5, "minute": 22}
